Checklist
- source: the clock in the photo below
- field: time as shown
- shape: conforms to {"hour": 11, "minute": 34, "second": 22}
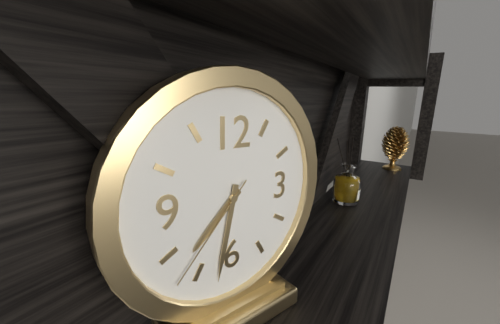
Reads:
{"hour": 7, "minute": 32, "second": 37}
